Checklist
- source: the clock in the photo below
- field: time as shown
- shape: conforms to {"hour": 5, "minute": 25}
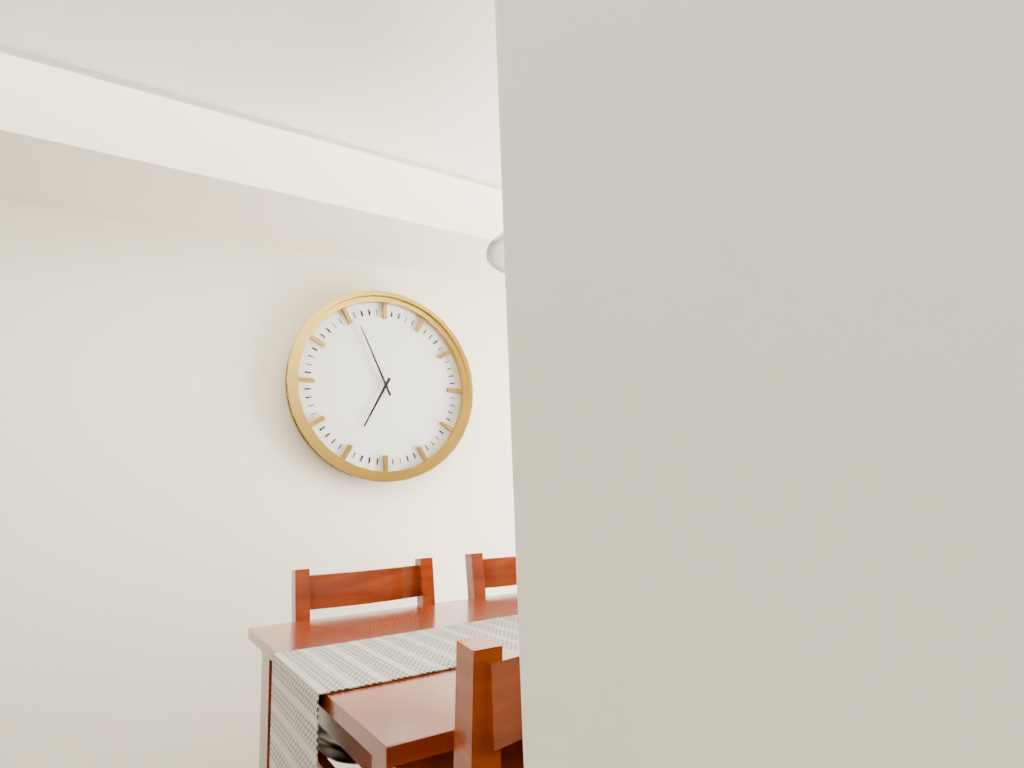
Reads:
{"hour": 6, "minute": 56}
